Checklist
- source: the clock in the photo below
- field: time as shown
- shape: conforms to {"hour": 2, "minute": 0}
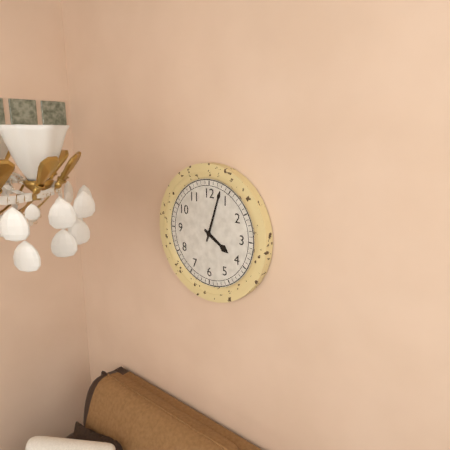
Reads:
{"hour": 4, "minute": 3}
